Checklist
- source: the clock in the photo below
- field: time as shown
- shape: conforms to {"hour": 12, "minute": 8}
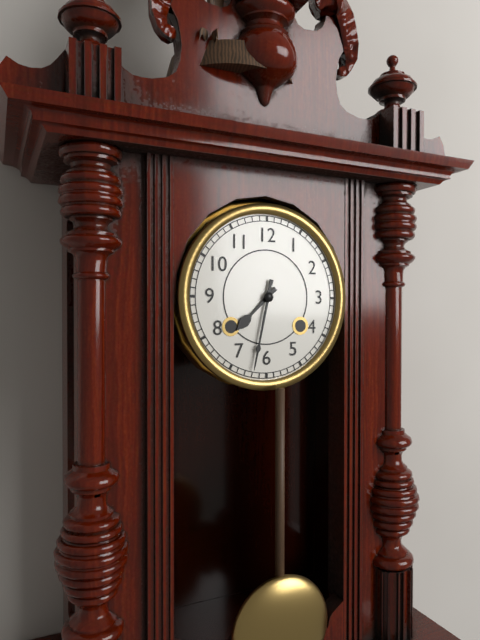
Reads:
{"hour": 7, "minute": 32}
